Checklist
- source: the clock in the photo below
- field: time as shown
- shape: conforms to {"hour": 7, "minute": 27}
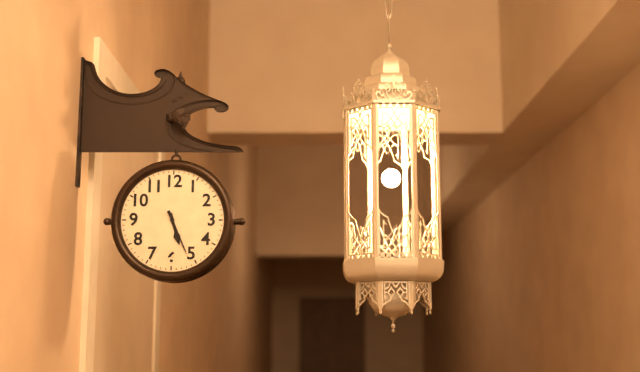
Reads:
{"hour": 5, "minute": 26}
